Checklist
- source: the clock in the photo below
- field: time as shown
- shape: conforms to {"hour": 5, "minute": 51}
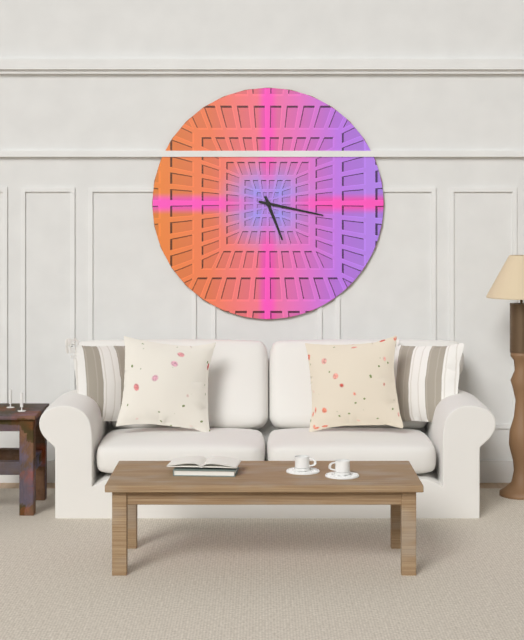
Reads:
{"hour": 5, "minute": 17}
